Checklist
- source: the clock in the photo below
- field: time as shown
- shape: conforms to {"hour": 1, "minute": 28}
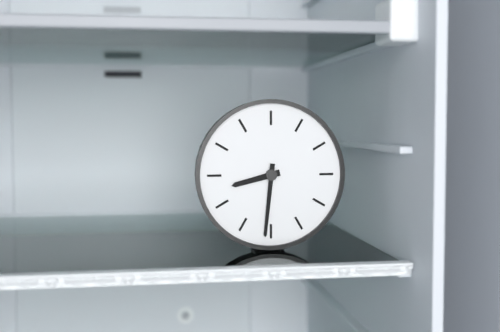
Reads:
{"hour": 8, "minute": 31}
